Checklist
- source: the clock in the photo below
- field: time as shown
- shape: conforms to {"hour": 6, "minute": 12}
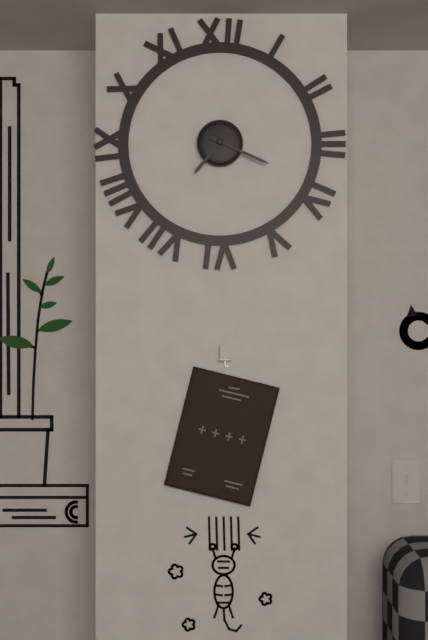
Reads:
{"hour": 7, "minute": 19}
